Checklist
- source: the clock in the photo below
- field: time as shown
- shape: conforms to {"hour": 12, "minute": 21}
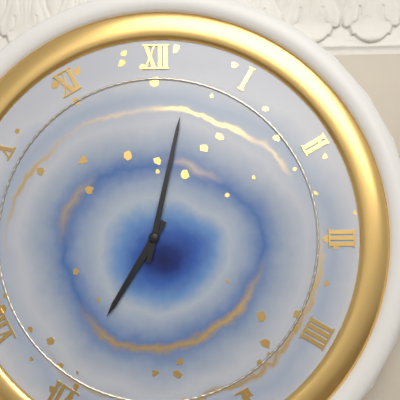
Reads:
{"hour": 7, "minute": 2}
